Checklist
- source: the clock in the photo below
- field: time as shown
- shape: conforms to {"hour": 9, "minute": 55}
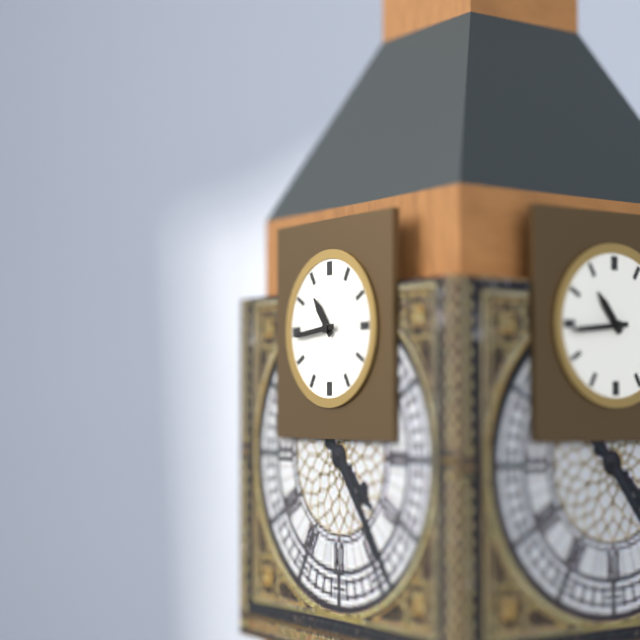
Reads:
{"hour": 10, "minute": 44}
